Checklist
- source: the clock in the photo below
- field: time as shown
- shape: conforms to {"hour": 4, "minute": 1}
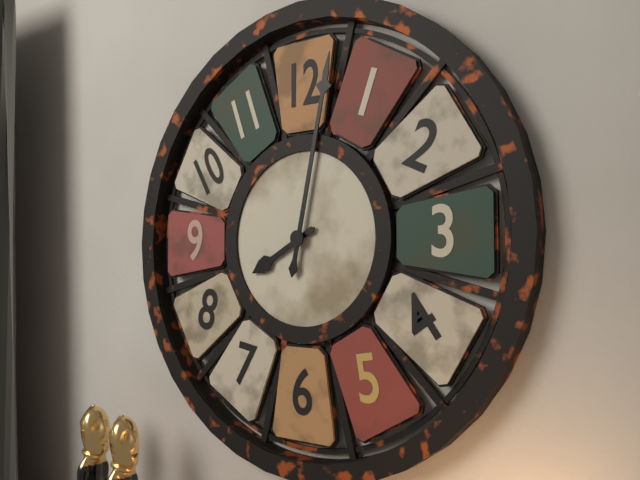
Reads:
{"hour": 8, "minute": 2}
